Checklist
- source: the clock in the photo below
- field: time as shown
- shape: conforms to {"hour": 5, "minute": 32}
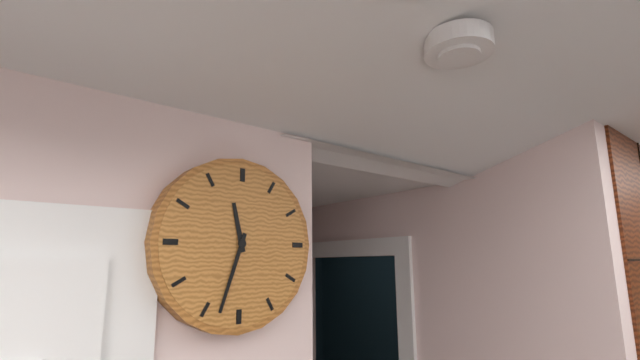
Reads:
{"hour": 11, "minute": 33}
